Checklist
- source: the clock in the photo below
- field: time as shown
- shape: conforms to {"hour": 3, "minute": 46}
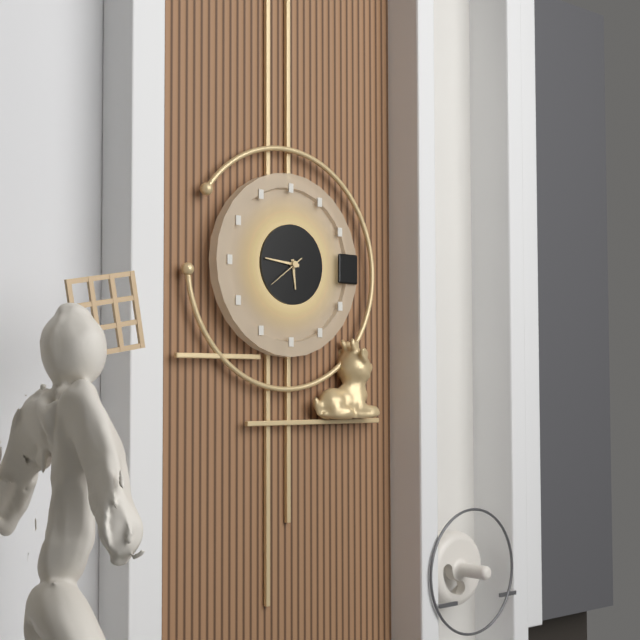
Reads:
{"hour": 5, "minute": 46}
